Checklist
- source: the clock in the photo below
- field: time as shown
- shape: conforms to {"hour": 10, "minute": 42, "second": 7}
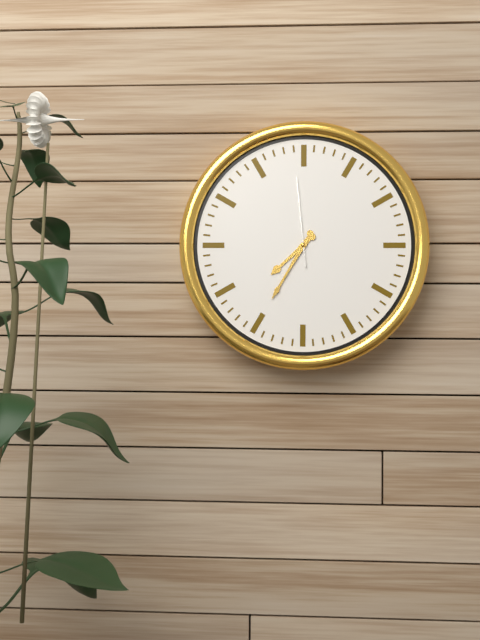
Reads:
{"hour": 7, "minute": 35, "second": 59}
